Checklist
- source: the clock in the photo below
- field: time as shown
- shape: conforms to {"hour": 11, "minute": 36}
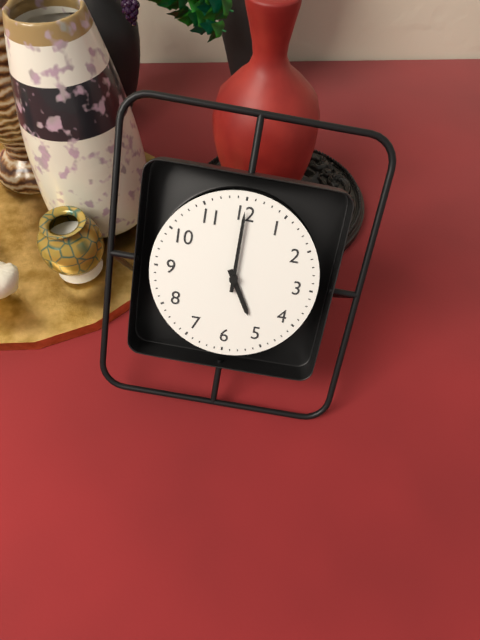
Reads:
{"hour": 5, "minute": 0}
